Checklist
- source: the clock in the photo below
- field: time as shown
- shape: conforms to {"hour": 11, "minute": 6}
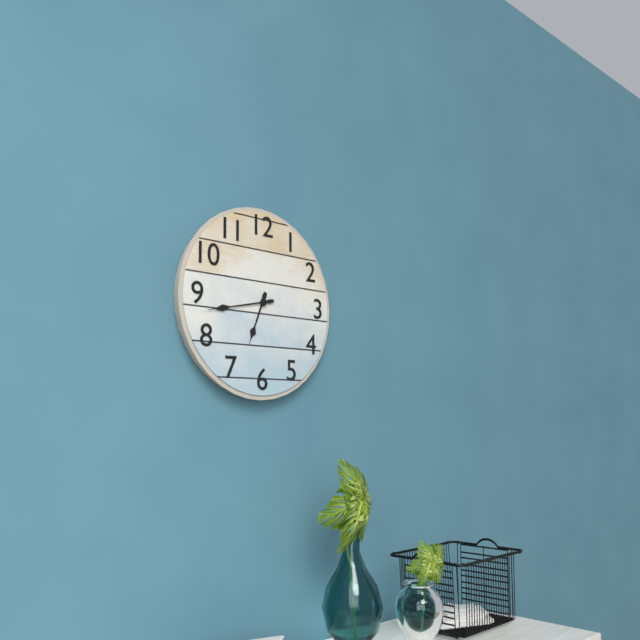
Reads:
{"hour": 6, "minute": 43}
